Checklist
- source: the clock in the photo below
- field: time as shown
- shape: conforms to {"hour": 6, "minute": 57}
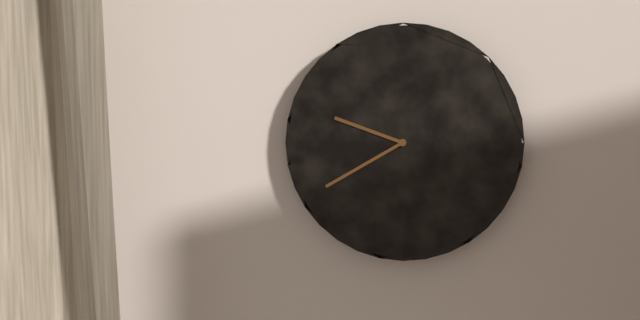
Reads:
{"hour": 9, "minute": 40}
